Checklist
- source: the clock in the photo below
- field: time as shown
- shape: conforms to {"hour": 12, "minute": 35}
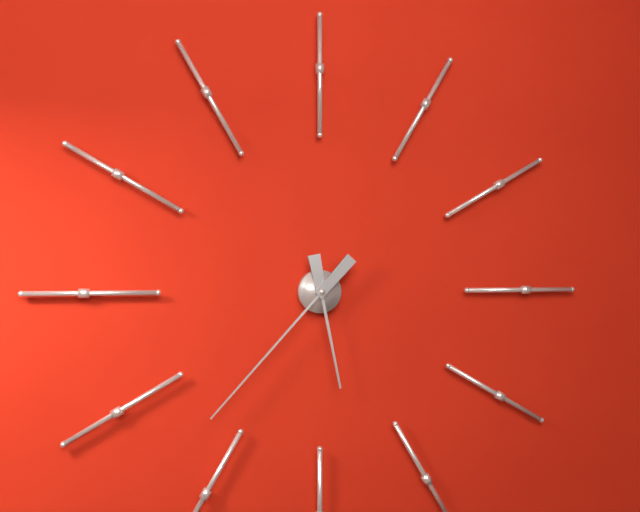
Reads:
{"hour": 5, "minute": 37}
